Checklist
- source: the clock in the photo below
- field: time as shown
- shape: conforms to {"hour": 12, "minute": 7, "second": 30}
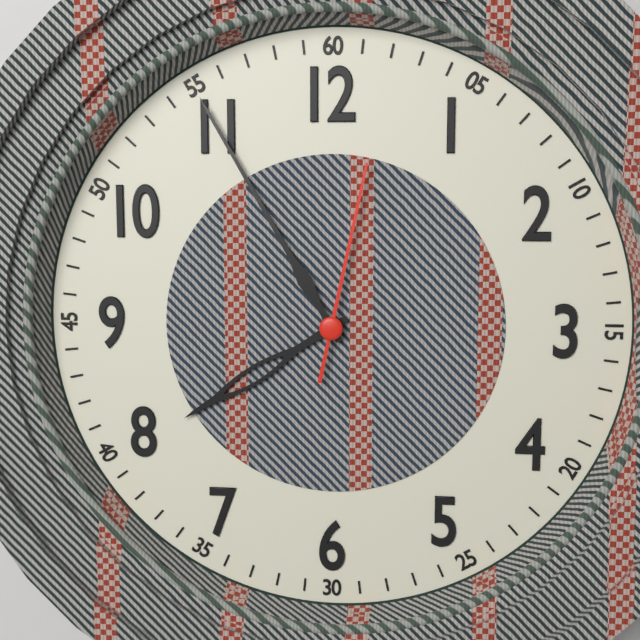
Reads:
{"hour": 7, "minute": 55, "second": 2}
